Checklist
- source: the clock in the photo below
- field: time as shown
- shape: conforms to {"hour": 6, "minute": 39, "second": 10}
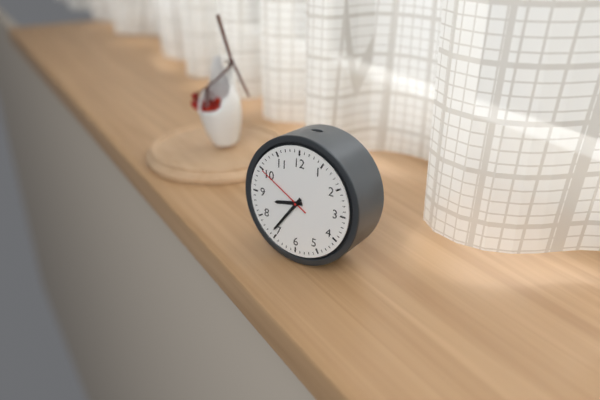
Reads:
{"hour": 8, "minute": 36, "second": 50}
